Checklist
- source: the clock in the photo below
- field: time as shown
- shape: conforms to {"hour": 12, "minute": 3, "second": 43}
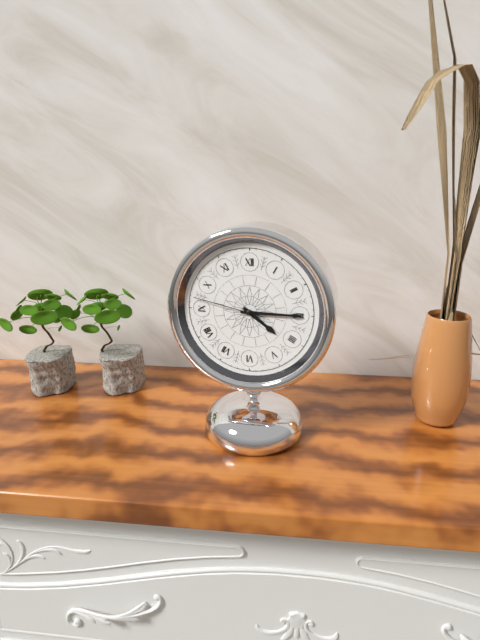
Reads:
{"hour": 4, "minute": 15, "second": 47}
